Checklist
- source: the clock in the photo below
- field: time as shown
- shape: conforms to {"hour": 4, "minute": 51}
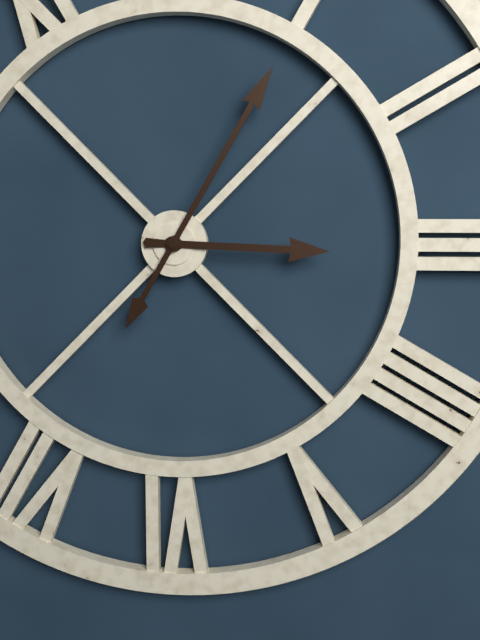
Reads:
{"hour": 3, "minute": 5}
